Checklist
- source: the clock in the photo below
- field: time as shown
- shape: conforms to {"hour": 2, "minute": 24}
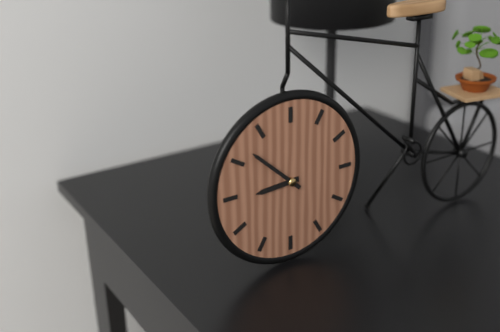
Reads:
{"hour": 8, "minute": 52}
